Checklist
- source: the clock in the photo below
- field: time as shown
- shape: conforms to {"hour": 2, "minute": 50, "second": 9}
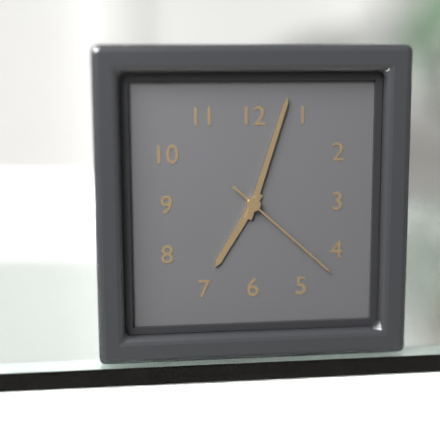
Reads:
{"hour": 7, "minute": 3, "second": 22}
